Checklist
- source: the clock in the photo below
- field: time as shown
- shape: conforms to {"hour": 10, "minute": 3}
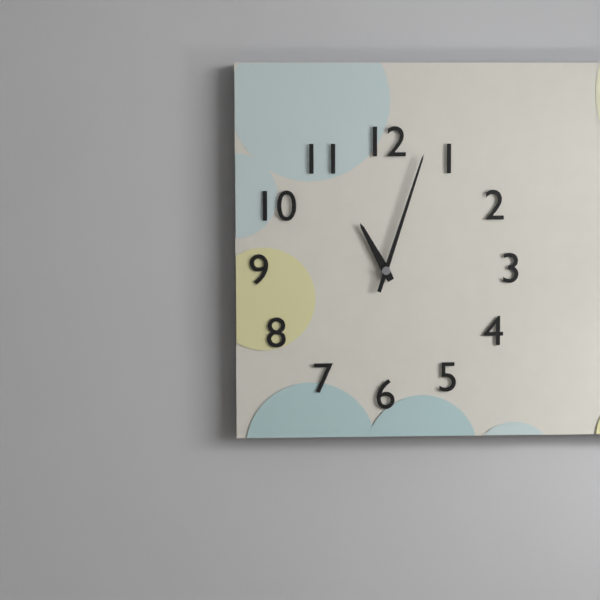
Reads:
{"hour": 11, "minute": 3}
